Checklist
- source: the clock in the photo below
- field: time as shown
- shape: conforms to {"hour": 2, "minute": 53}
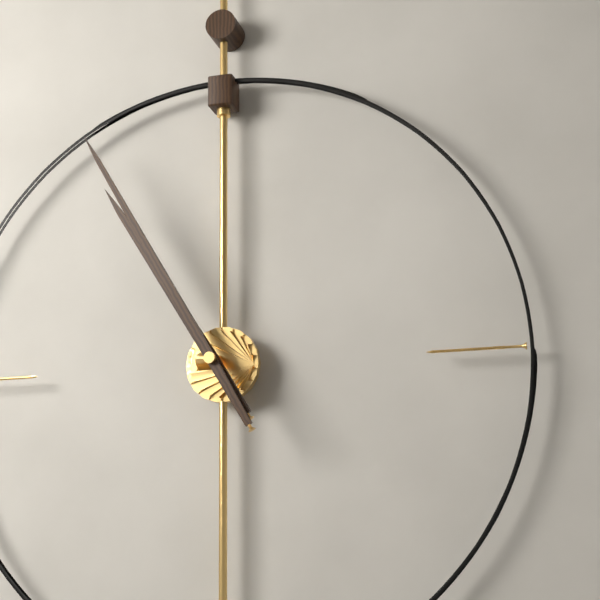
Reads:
{"hour": 10, "minute": 55}
